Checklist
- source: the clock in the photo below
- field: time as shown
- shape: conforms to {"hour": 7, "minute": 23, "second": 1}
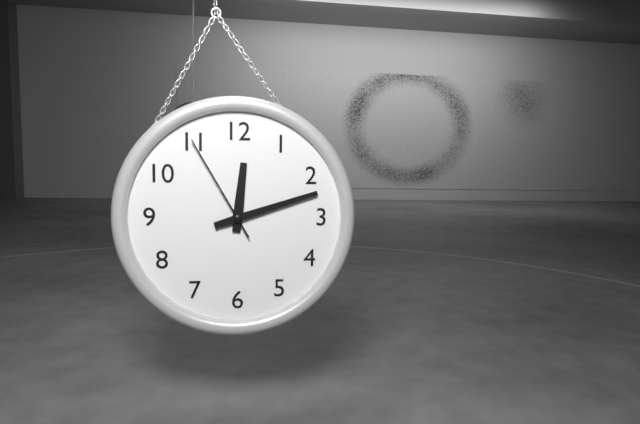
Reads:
{"hour": 12, "minute": 12, "second": 55}
